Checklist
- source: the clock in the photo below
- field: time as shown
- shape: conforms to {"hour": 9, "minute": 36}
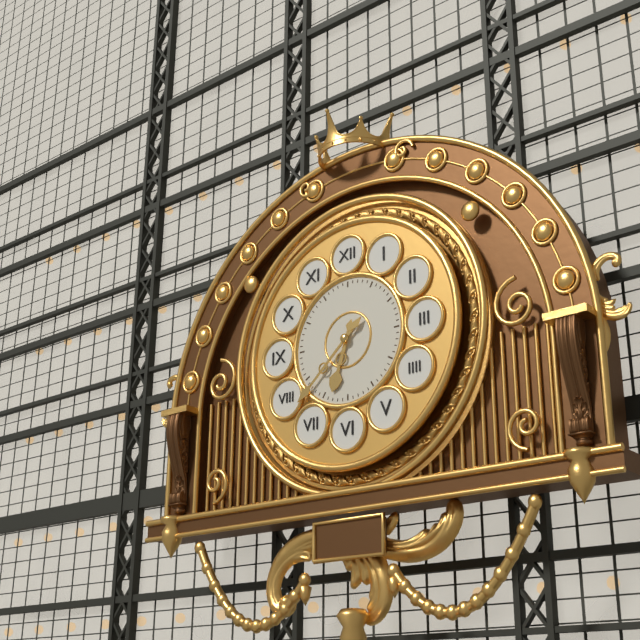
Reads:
{"hour": 6, "minute": 38}
